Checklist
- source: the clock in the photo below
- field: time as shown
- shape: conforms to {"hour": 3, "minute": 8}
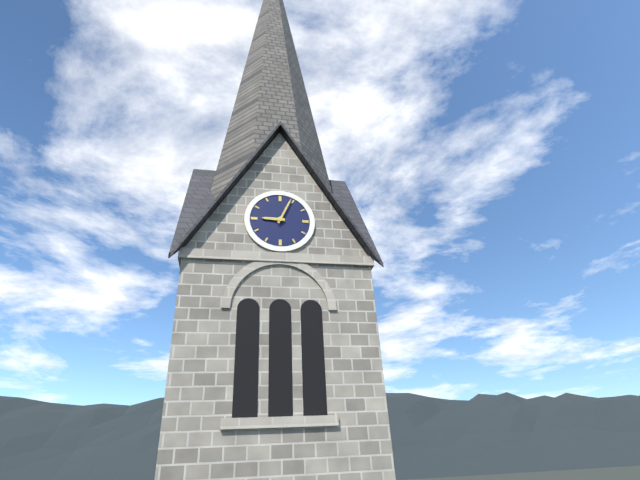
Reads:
{"hour": 9, "minute": 4}
